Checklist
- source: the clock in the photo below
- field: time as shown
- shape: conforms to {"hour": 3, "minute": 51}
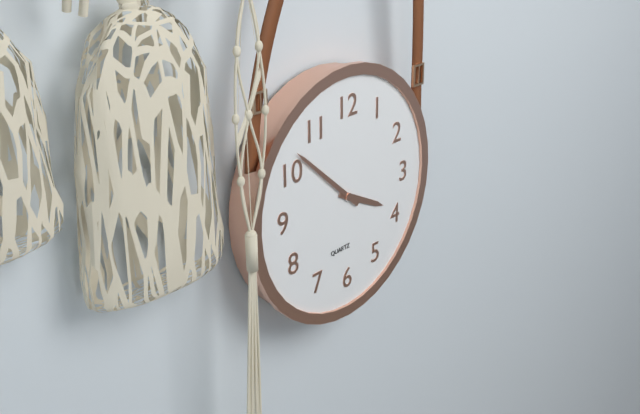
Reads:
{"hour": 3, "minute": 52}
